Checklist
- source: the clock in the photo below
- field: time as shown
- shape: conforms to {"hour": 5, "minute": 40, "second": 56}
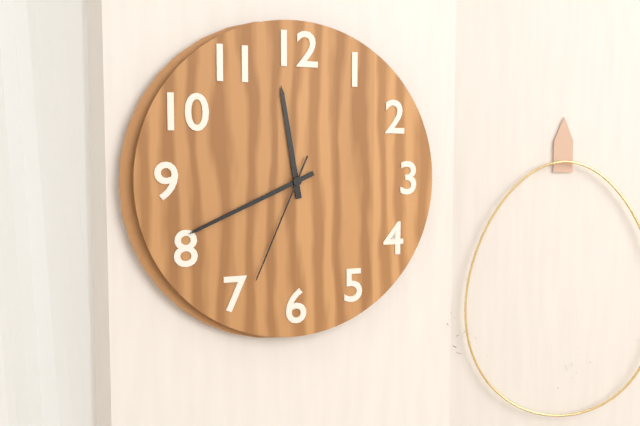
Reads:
{"hour": 11, "minute": 41, "second": 34}
